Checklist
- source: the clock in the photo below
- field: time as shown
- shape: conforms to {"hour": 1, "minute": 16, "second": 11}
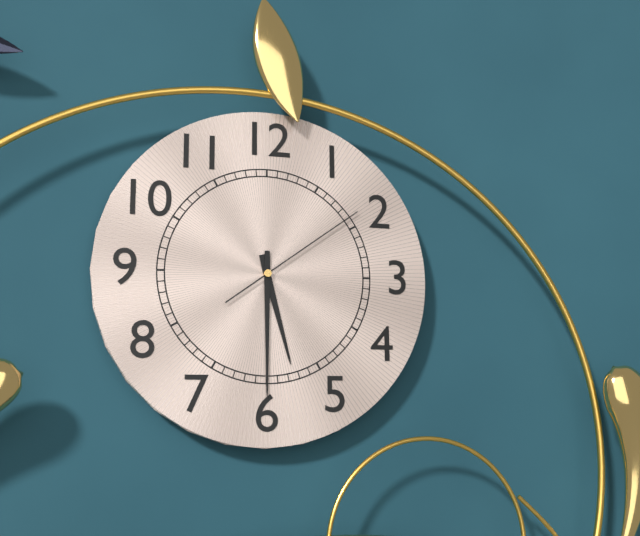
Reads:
{"hour": 5, "minute": 30, "second": 9}
